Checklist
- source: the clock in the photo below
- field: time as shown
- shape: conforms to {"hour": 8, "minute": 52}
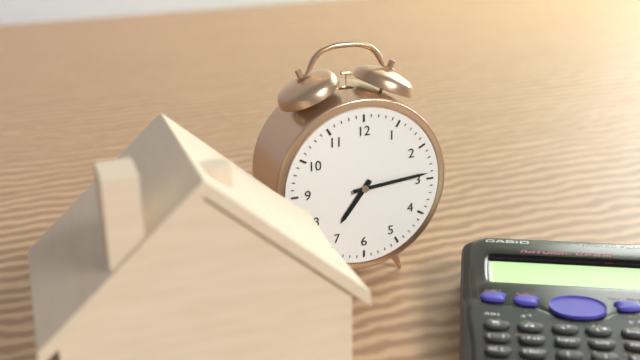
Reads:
{"hour": 7, "minute": 14}
